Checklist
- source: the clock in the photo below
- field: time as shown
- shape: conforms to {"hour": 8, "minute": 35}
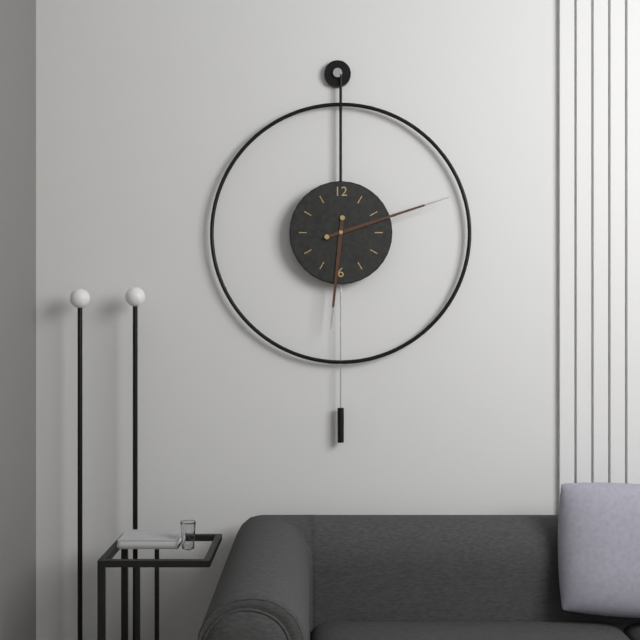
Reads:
{"hour": 6, "minute": 12}
